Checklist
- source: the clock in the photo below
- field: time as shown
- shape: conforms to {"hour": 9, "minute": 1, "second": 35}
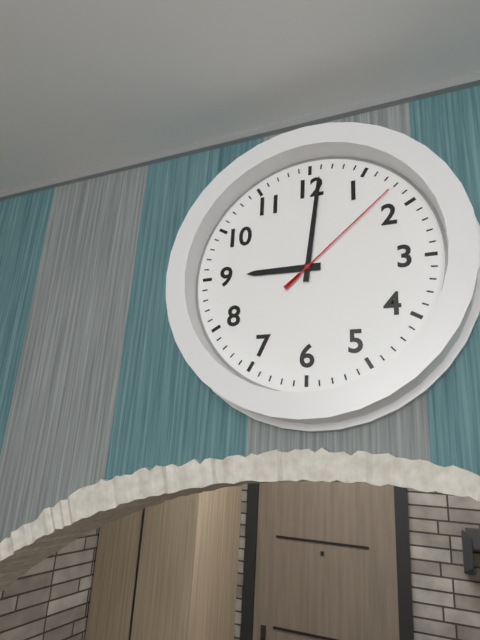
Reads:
{"hour": 9, "minute": 1, "second": 8}
